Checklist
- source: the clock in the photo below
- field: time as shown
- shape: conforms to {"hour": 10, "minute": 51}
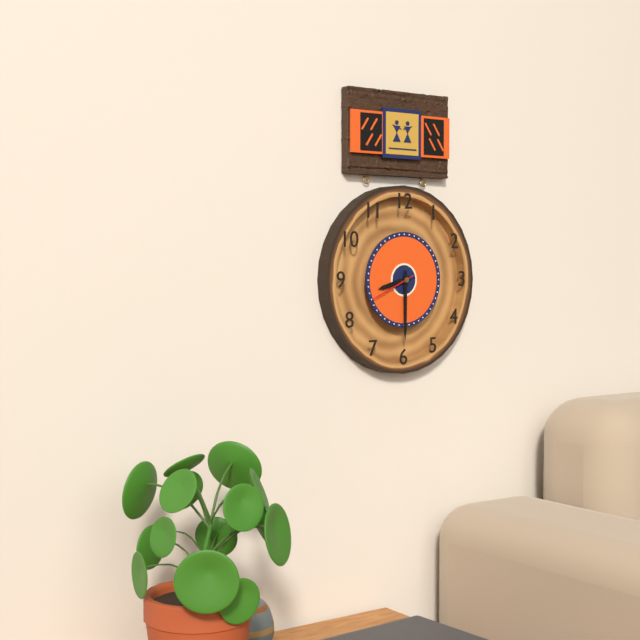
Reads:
{"hour": 8, "minute": 30}
